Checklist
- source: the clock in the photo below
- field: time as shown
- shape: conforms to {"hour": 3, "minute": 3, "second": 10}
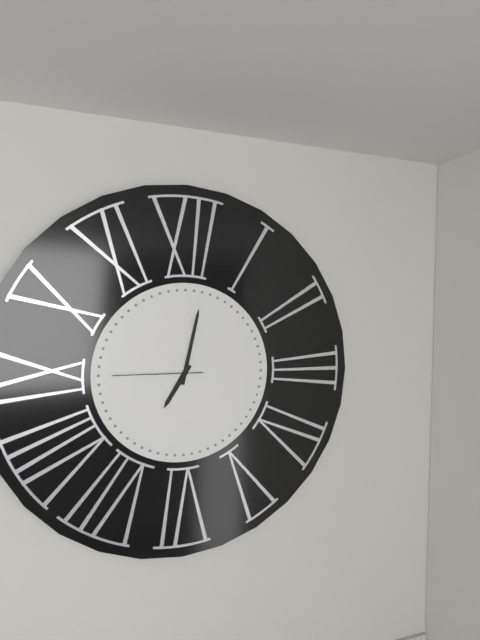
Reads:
{"hour": 7, "minute": 2, "second": 45}
